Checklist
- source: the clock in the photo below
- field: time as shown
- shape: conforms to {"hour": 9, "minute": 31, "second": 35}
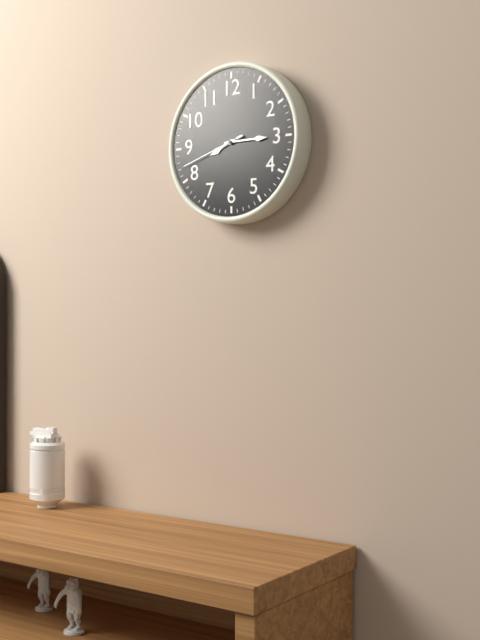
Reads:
{"hour": 8, "minute": 15, "second": 42}
